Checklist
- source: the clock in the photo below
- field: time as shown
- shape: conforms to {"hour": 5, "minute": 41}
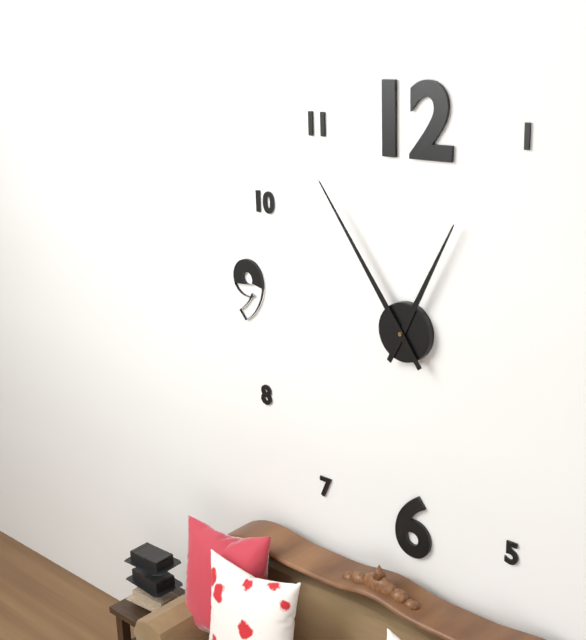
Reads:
{"hour": 12, "minute": 54}
